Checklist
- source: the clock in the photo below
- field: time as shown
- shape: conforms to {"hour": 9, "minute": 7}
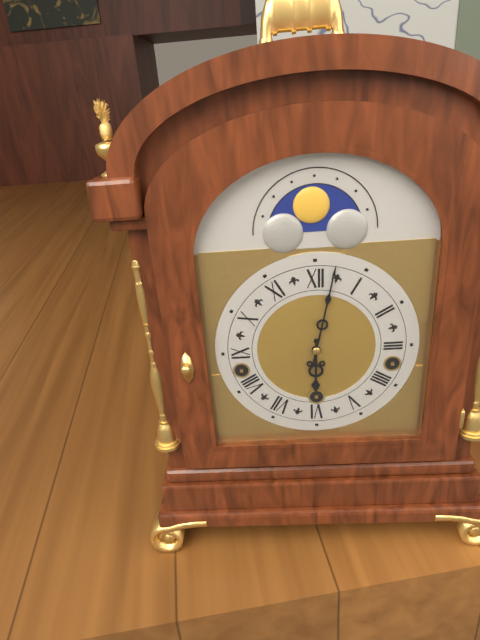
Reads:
{"hour": 6, "minute": 2}
